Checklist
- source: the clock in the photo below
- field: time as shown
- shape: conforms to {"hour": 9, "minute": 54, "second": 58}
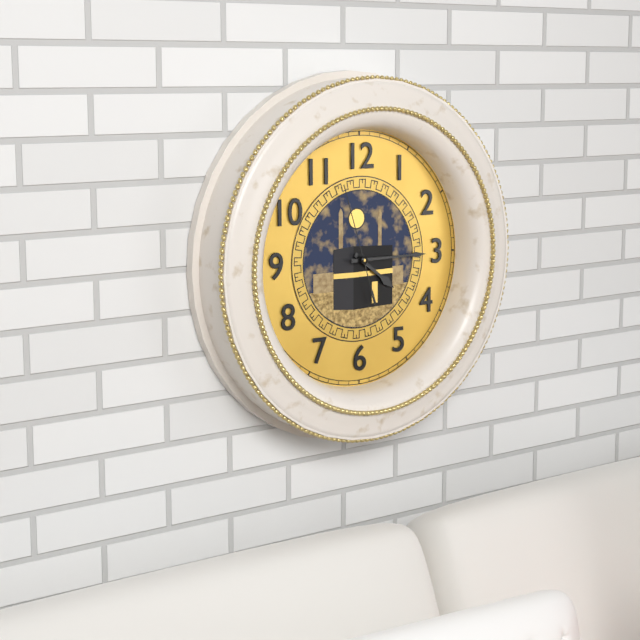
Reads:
{"hour": 4, "minute": 15, "second": 57}
